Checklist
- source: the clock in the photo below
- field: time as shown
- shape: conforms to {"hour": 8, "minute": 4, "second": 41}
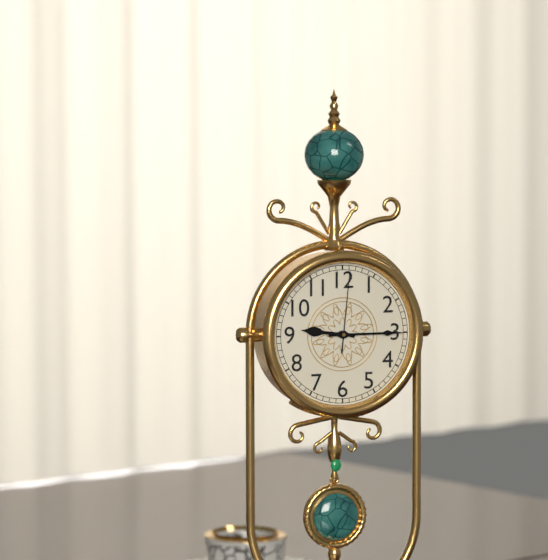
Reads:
{"hour": 9, "minute": 15, "second": 1}
